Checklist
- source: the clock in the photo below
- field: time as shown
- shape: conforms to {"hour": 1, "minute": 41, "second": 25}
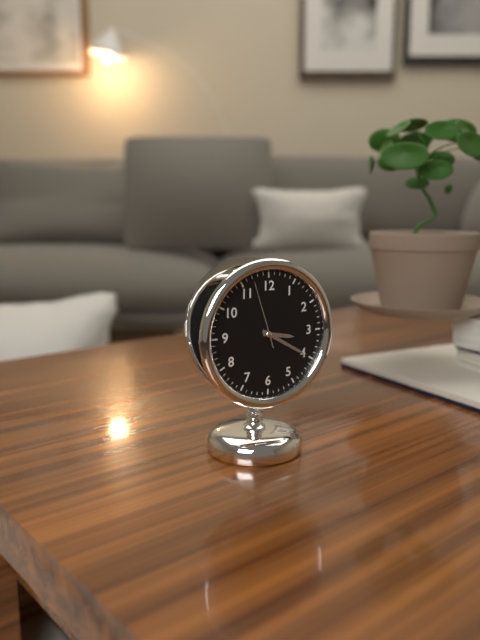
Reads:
{"hour": 3, "minute": 20, "second": 57}
